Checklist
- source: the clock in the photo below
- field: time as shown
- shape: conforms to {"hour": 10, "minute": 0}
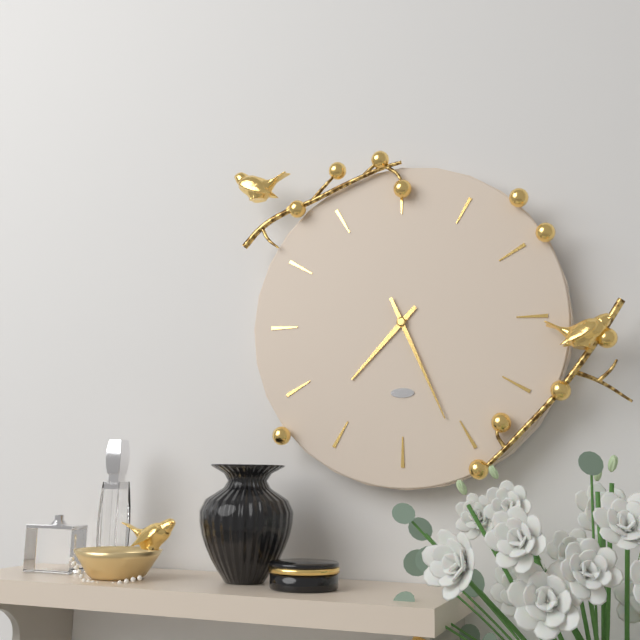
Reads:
{"hour": 7, "minute": 26}
